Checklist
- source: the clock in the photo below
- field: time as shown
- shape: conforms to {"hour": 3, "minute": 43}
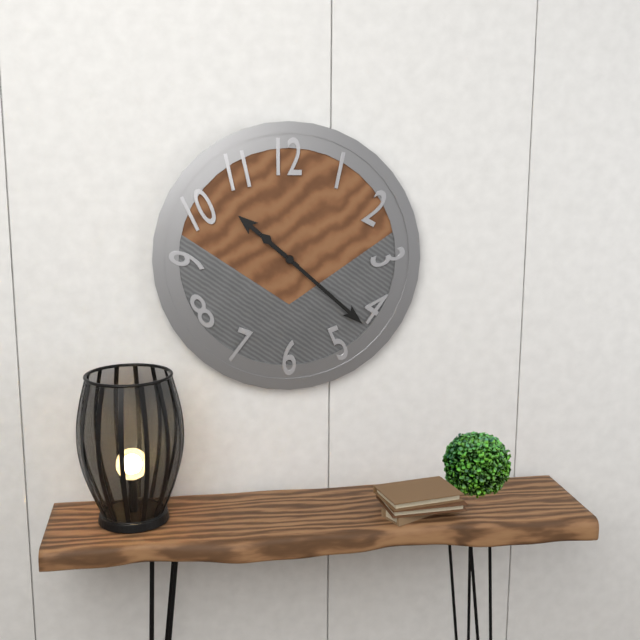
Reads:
{"hour": 10, "minute": 22}
